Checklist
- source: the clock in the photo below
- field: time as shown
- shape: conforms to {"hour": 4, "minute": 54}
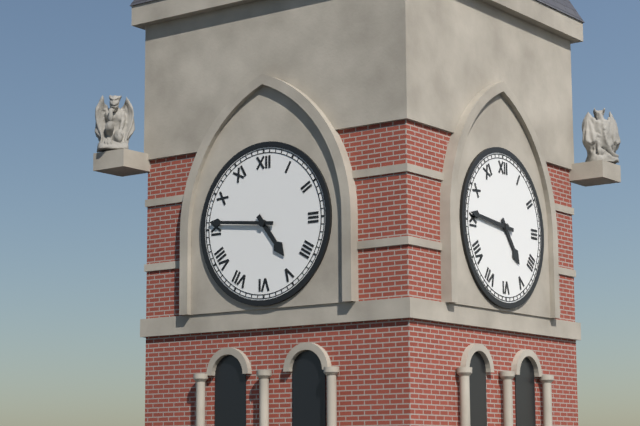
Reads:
{"hour": 4, "minute": 46}
